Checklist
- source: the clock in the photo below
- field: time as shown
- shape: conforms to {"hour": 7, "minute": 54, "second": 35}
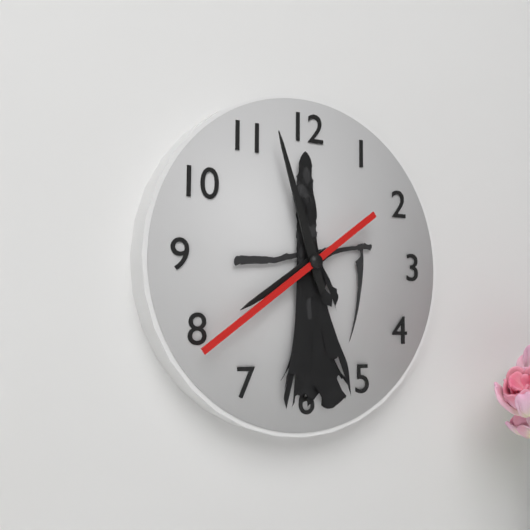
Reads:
{"hour": 7, "minute": 57, "second": 39}
